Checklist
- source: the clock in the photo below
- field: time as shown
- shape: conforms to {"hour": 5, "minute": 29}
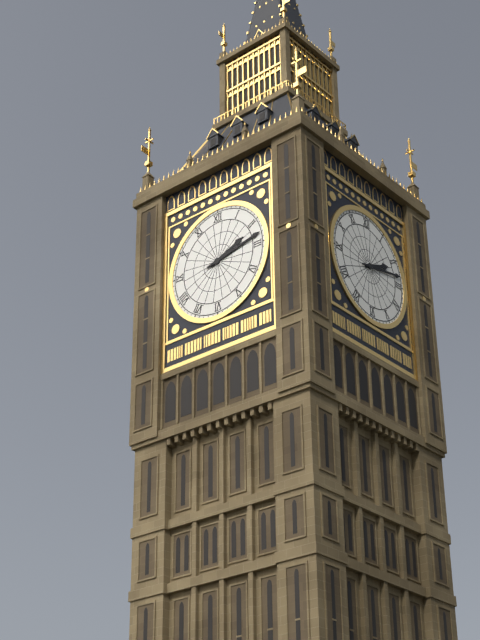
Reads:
{"hour": 2, "minute": 13}
